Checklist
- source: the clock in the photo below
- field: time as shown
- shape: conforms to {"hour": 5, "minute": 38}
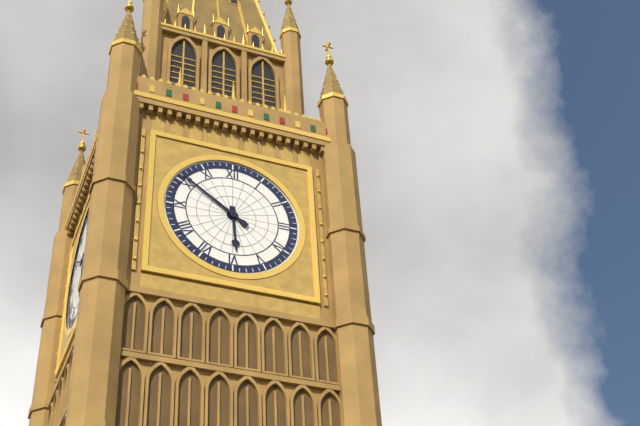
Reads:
{"hour": 5, "minute": 51}
